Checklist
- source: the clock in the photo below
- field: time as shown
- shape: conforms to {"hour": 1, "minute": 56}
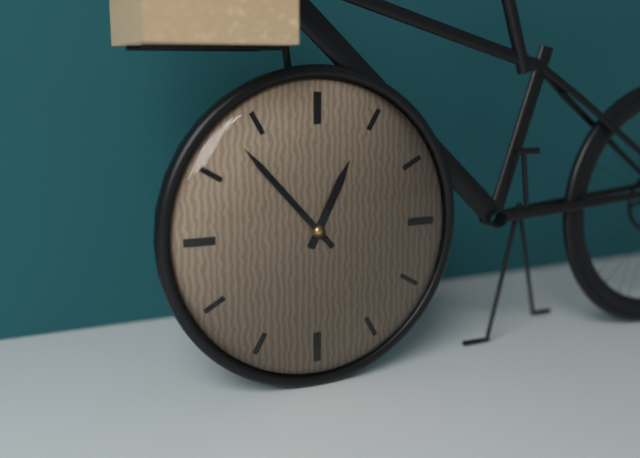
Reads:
{"hour": 12, "minute": 53}
